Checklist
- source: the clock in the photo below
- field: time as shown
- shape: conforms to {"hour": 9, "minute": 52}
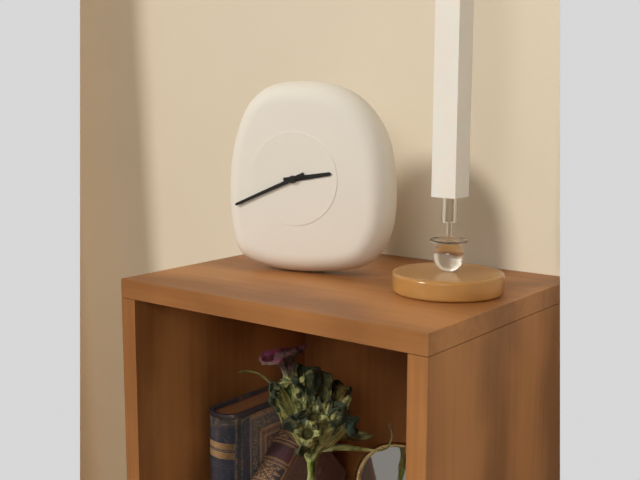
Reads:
{"hour": 2, "minute": 41}
